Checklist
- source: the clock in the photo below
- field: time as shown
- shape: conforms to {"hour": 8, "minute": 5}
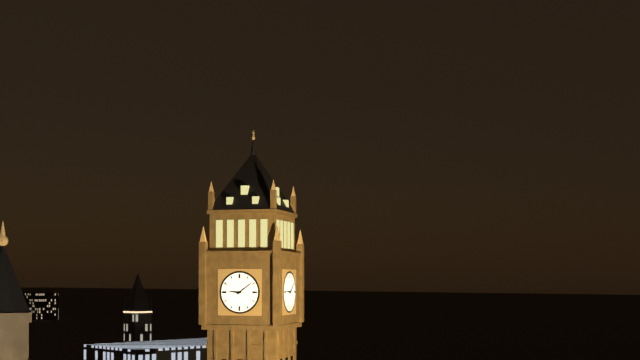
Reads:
{"hour": 9, "minute": 9}
